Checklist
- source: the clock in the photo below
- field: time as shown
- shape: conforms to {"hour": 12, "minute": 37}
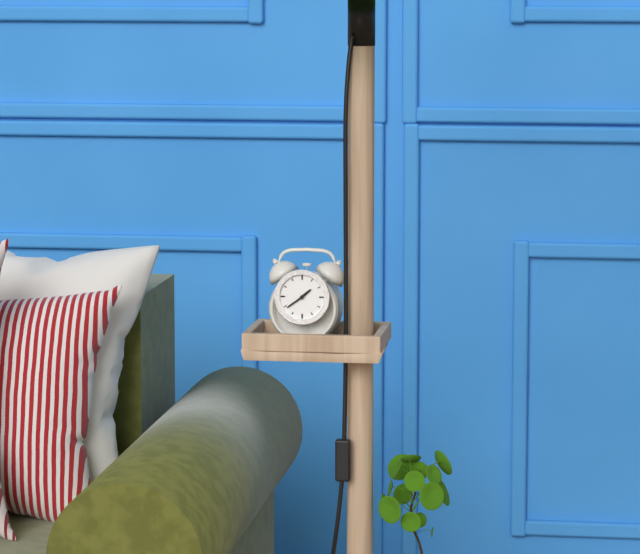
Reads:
{"hour": 1, "minute": 39}
